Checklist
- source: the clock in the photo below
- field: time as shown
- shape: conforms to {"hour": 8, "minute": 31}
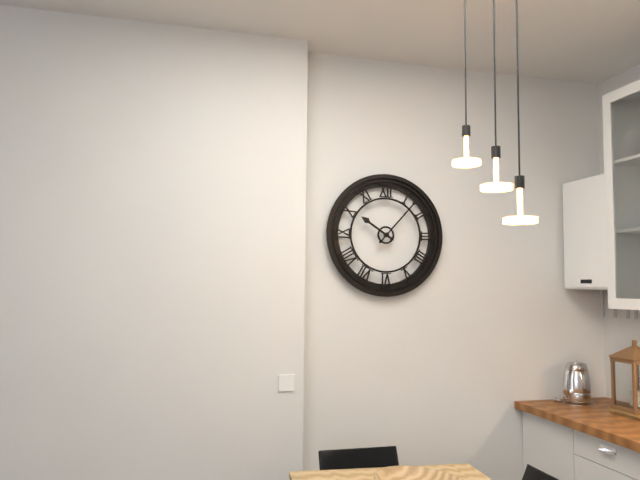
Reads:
{"hour": 10, "minute": 7}
